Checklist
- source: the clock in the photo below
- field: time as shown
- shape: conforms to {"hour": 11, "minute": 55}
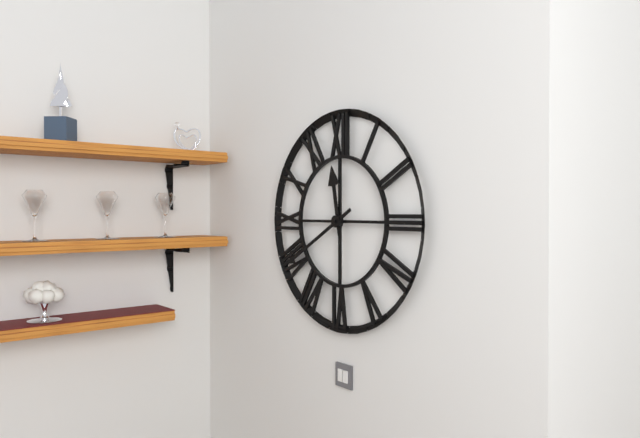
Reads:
{"hour": 11, "minute": 40}
